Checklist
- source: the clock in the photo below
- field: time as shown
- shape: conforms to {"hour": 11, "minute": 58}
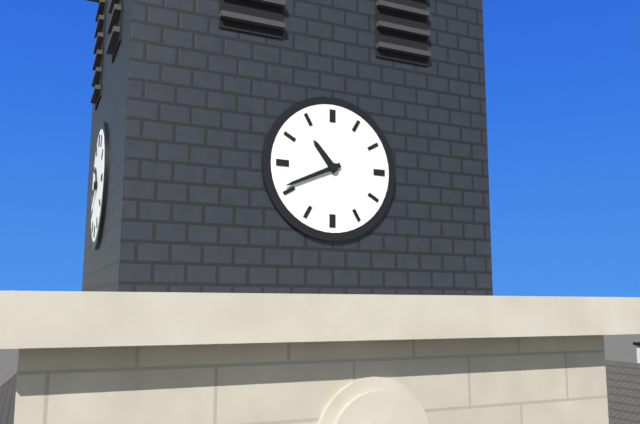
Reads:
{"hour": 10, "minute": 41}
